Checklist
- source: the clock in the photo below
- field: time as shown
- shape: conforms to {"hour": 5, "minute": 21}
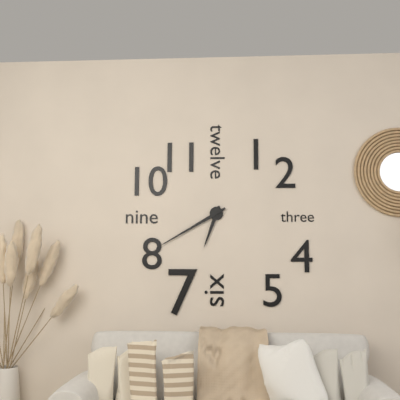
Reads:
{"hour": 6, "minute": 40}
